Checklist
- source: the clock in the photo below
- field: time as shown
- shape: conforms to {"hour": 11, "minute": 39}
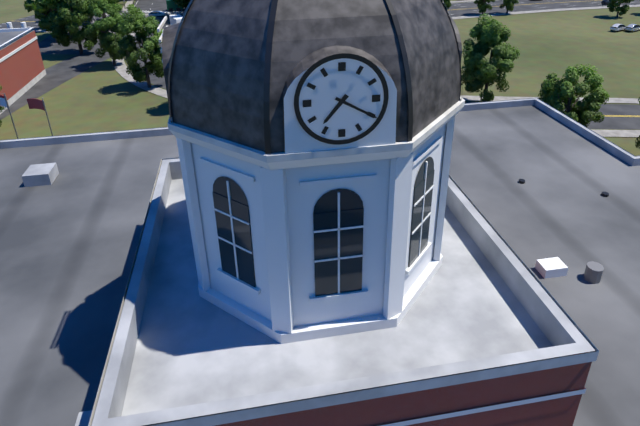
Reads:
{"hour": 7, "minute": 20}
